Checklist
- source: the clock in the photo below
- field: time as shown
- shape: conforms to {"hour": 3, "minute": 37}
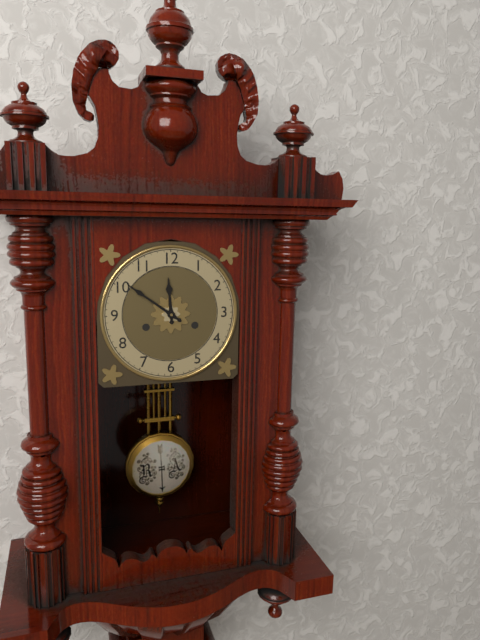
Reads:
{"hour": 11, "minute": 51}
